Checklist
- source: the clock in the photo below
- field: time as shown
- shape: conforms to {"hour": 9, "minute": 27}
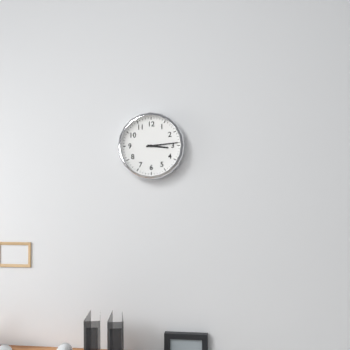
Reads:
{"hour": 3, "minute": 14}
